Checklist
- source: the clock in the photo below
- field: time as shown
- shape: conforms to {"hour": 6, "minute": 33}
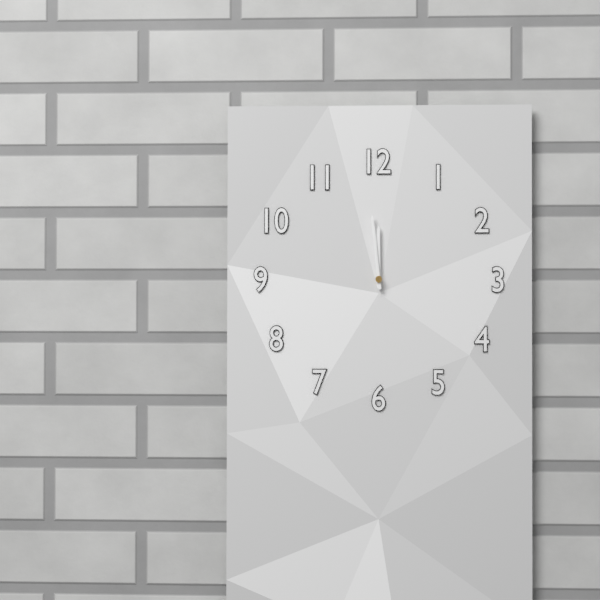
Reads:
{"hour": 11, "minute": 59}
